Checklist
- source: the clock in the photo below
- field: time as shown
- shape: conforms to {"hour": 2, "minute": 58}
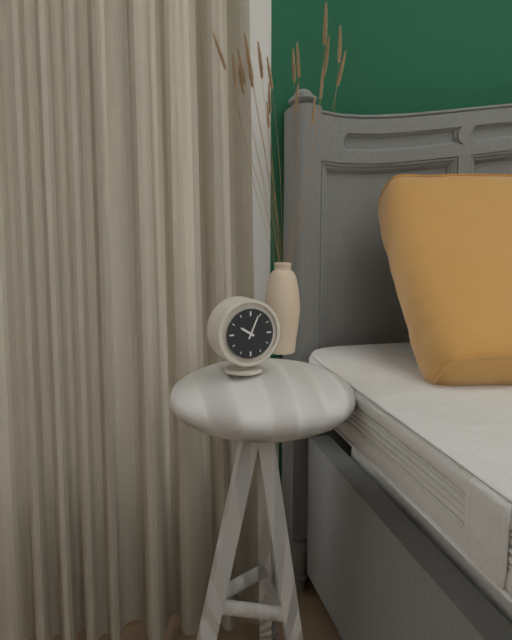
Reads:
{"hour": 10, "minute": 4}
